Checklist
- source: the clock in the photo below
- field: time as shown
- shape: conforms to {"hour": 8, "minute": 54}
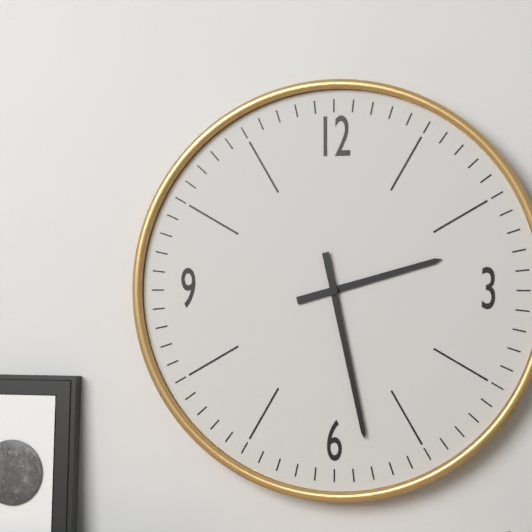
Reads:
{"hour": 2, "minute": 28}
